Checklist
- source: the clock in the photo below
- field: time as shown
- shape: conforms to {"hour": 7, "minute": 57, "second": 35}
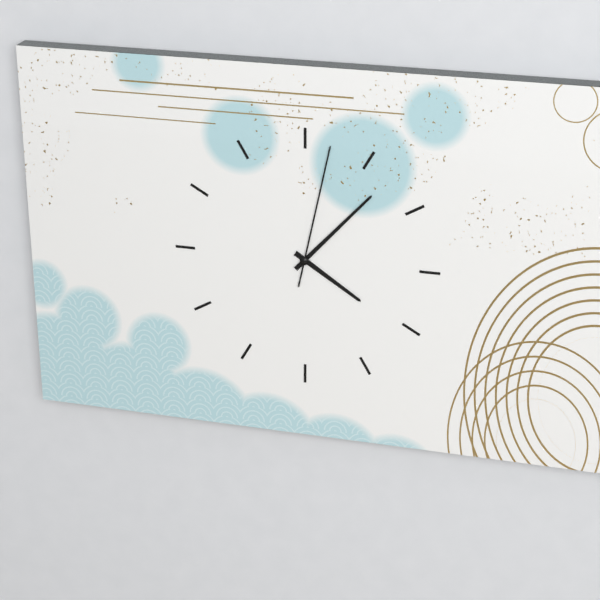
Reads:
{"hour": 4, "minute": 7, "second": 2}
